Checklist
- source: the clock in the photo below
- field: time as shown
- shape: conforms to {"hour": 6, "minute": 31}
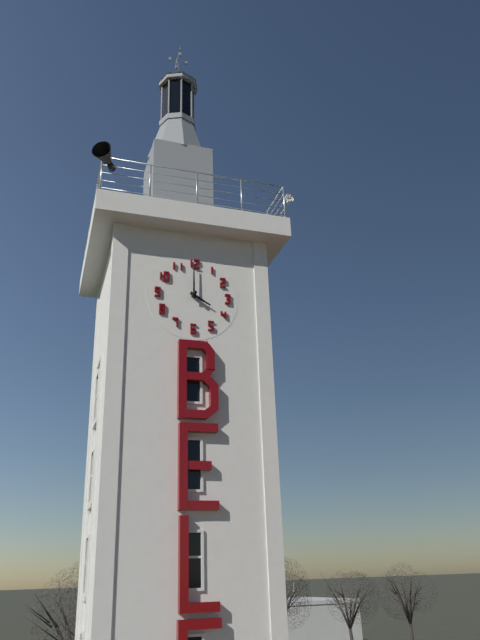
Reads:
{"hour": 4, "minute": 0}
